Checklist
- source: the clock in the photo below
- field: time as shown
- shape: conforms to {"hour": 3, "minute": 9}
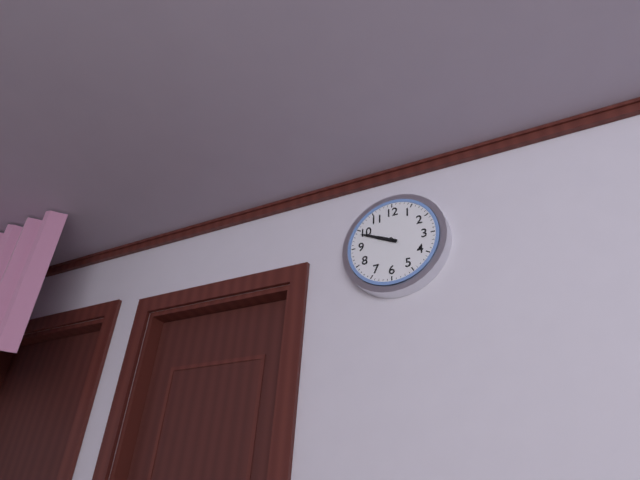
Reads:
{"hour": 9, "minute": 49}
